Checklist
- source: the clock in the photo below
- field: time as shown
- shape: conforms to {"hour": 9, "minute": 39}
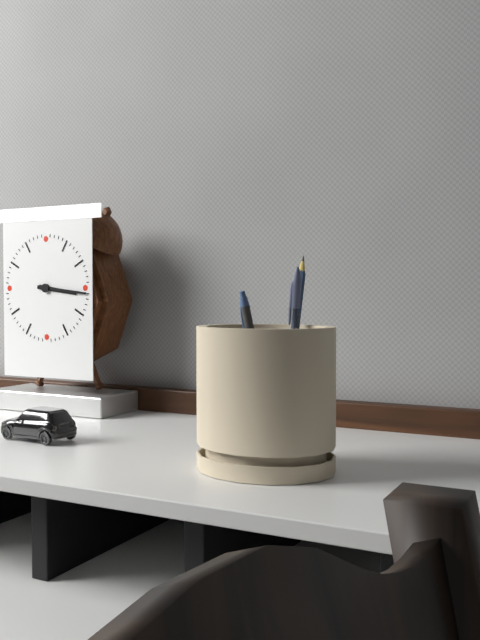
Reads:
{"hour": 3, "minute": 16}
